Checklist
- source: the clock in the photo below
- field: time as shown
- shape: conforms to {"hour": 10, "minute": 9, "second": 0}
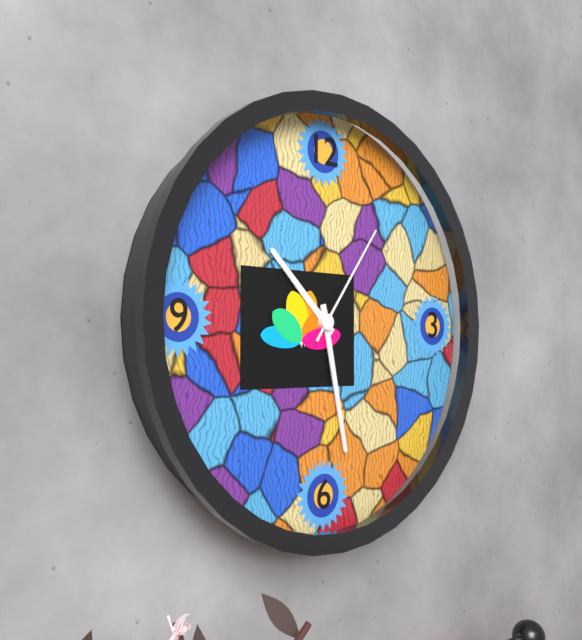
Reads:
{"hour": 10, "minute": 28, "second": 6}
